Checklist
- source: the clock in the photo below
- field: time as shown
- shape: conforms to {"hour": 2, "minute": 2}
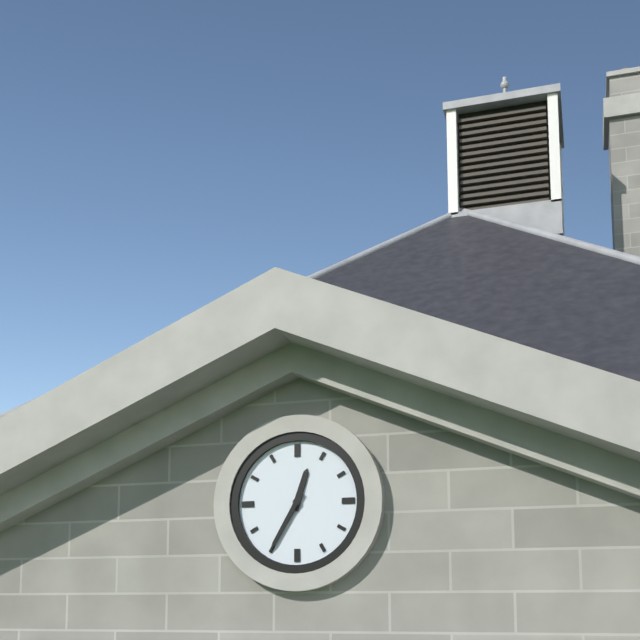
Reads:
{"hour": 12, "minute": 35}
